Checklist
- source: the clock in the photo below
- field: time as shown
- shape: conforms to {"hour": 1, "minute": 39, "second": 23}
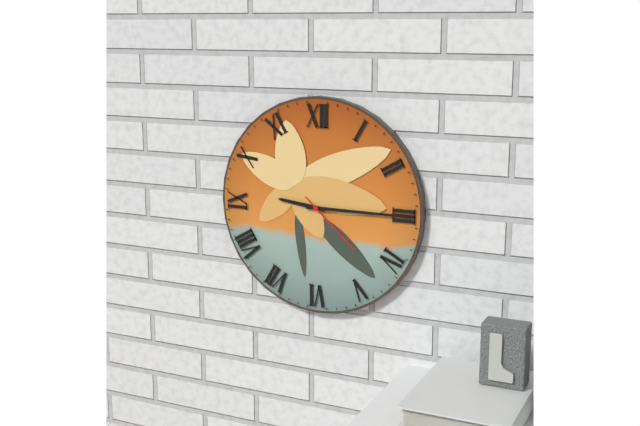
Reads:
{"hour": 9, "minute": 15, "second": 22}
